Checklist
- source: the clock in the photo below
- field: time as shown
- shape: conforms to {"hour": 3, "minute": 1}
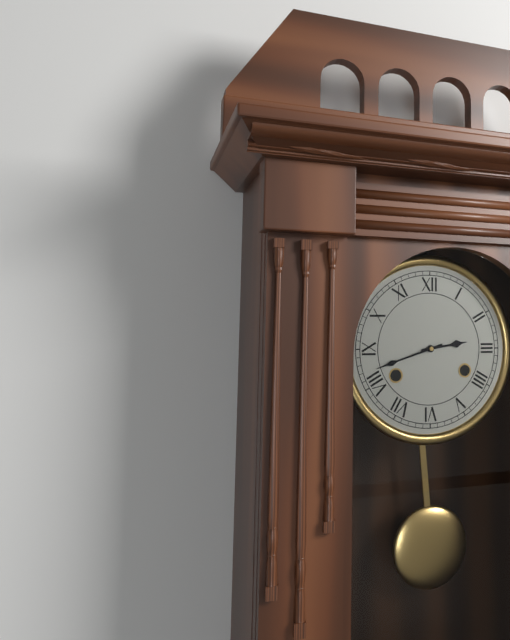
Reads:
{"hour": 2, "minute": 42}
